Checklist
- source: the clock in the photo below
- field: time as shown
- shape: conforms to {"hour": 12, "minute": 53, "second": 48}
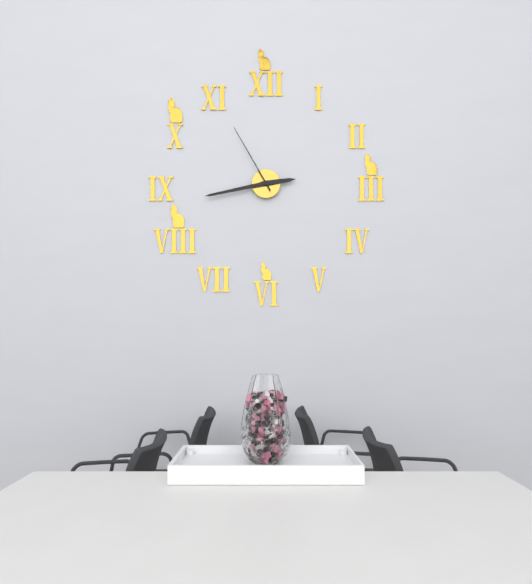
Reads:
{"hour": 2, "minute": 43, "second": 55}
